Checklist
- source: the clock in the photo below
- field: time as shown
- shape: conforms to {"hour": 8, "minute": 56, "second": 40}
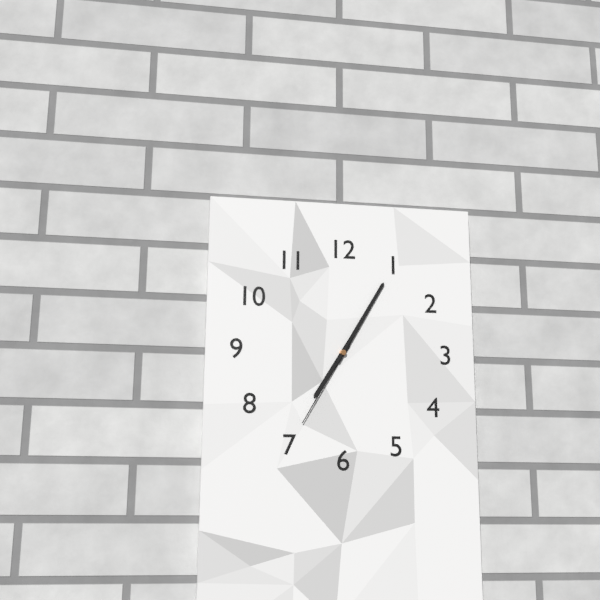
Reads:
{"hour": 7, "minute": 5, "second": 35}
